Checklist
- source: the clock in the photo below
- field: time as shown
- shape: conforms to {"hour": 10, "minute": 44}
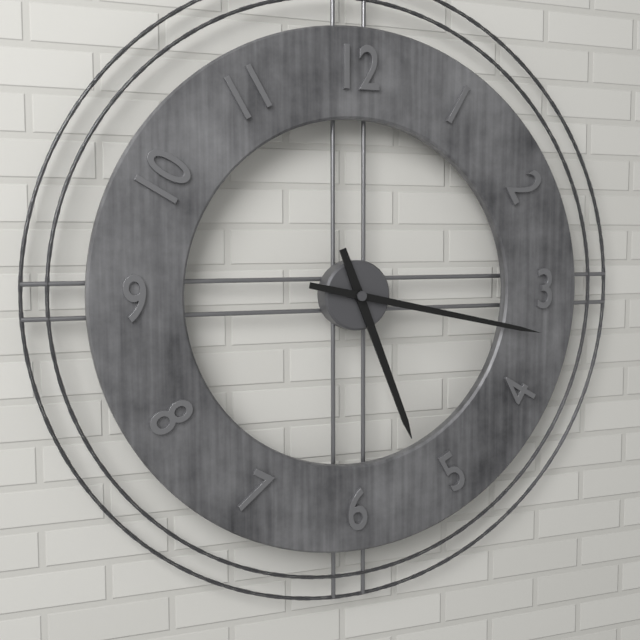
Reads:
{"hour": 5, "minute": 17}
